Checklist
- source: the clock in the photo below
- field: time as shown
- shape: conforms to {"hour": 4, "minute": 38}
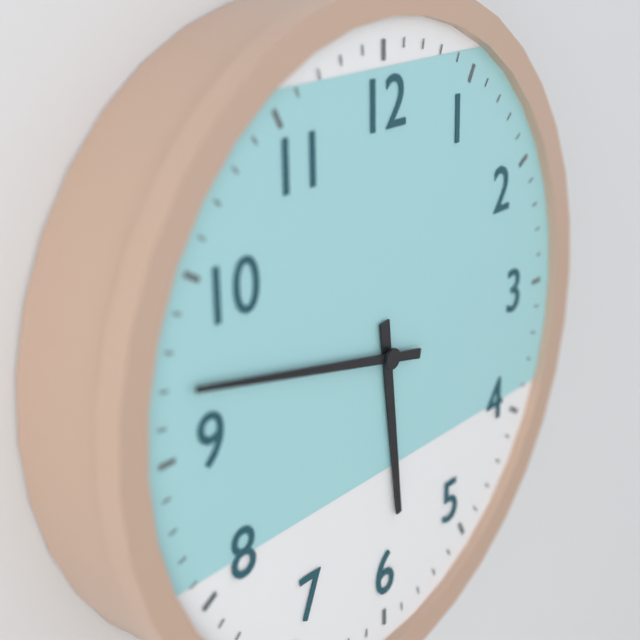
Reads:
{"hour": 5, "minute": 47}
